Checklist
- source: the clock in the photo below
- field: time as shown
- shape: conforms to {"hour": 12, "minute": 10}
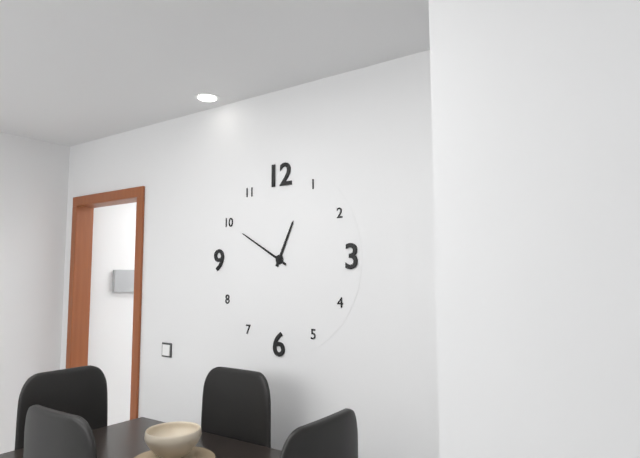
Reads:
{"hour": 12, "minute": 50}
